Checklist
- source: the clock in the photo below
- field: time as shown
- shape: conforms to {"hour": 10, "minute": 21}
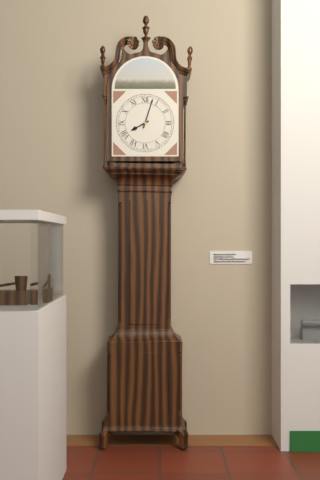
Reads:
{"hour": 8, "minute": 3}
